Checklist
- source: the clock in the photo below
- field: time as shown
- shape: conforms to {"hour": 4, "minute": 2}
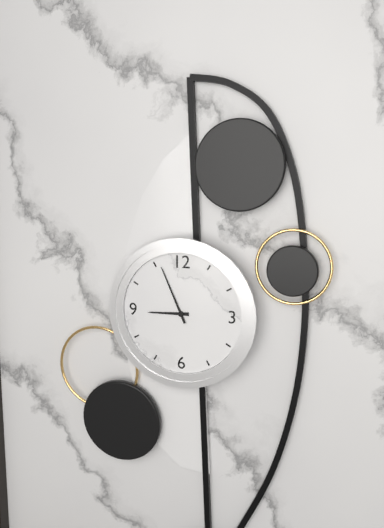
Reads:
{"hour": 8, "minute": 56}
